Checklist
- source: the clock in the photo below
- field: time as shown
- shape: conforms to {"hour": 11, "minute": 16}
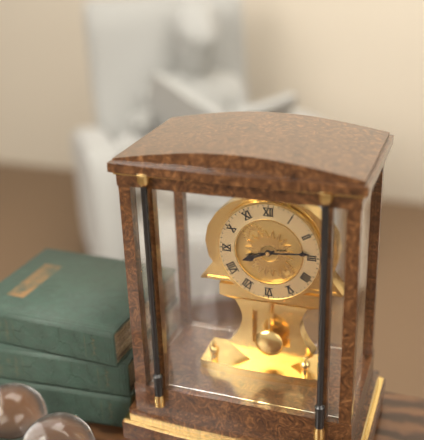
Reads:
{"hour": 8, "minute": 14}
